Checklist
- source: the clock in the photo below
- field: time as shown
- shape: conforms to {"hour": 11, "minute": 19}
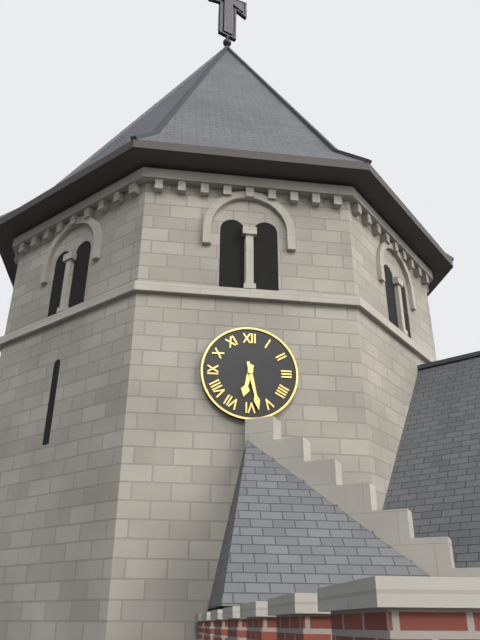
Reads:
{"hour": 6, "minute": 28}
